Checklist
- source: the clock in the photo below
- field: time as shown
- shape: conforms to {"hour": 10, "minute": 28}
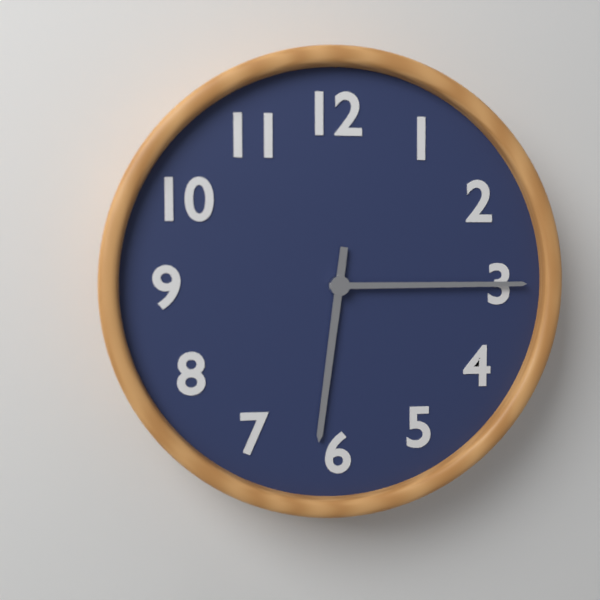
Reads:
{"hour": 6, "minute": 15}
